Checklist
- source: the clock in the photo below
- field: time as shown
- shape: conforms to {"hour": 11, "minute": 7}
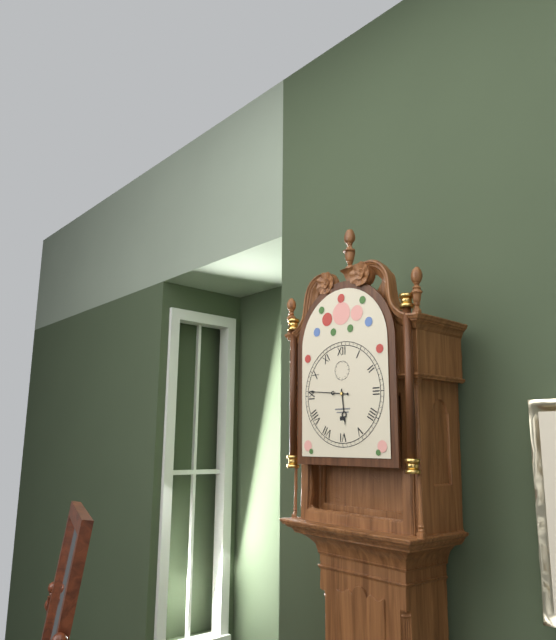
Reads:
{"hour": 5, "minute": 46}
